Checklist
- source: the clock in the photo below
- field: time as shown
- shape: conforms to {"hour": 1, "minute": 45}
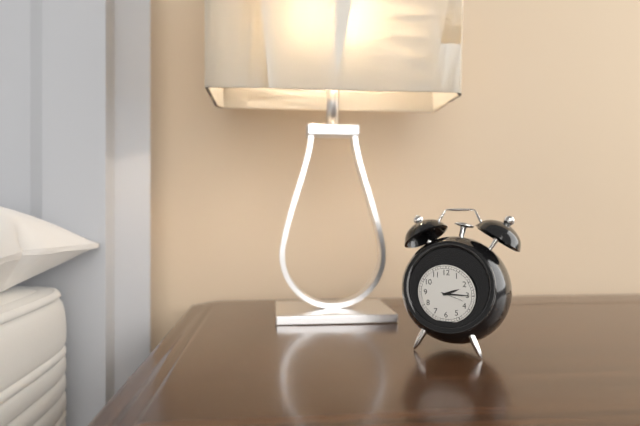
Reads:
{"hour": 2, "minute": 15}
